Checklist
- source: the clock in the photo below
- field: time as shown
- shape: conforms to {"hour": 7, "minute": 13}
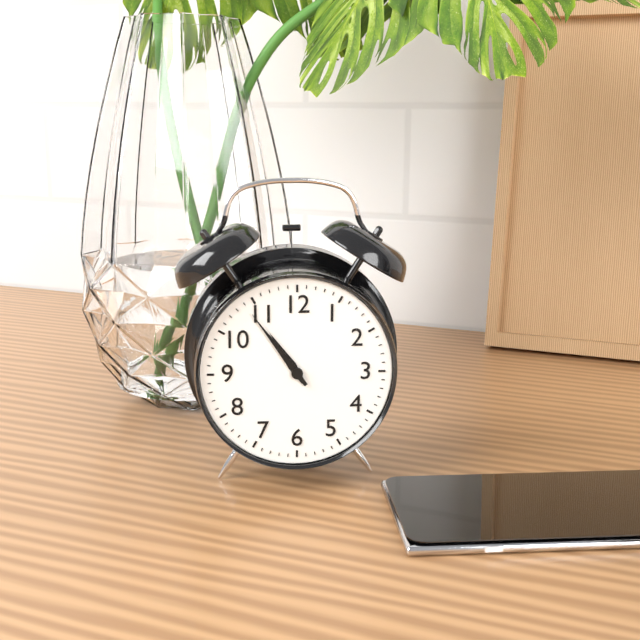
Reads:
{"hour": 10, "minute": 54}
